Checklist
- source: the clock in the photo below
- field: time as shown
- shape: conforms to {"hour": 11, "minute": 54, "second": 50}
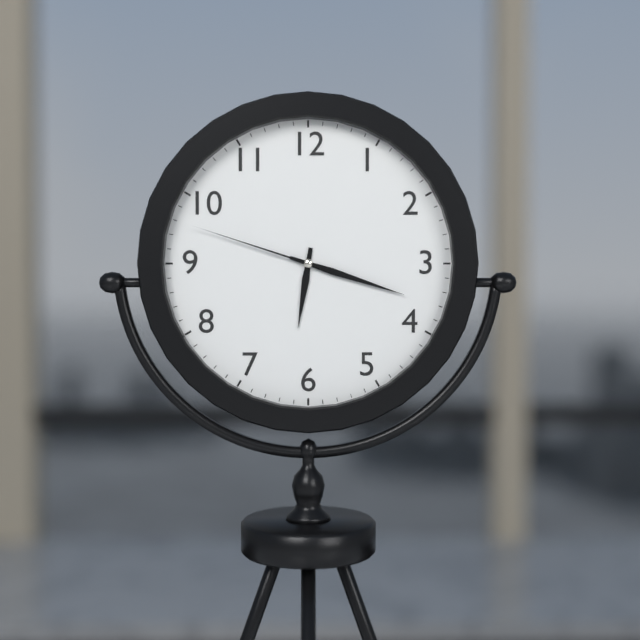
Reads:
{"hour": 6, "minute": 18, "second": 48}
